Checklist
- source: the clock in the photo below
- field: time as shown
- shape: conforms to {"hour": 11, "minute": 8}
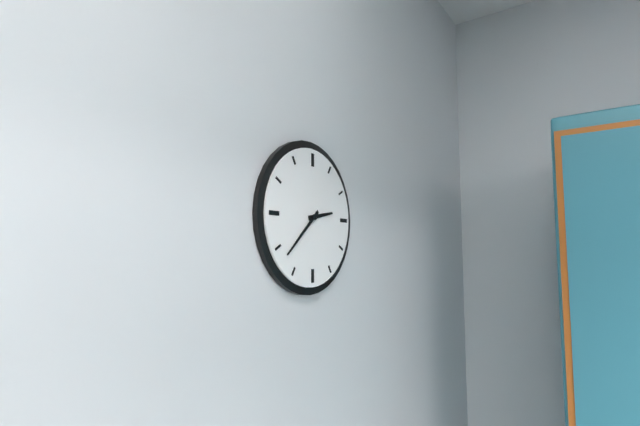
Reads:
{"hour": 2, "minute": 38}
